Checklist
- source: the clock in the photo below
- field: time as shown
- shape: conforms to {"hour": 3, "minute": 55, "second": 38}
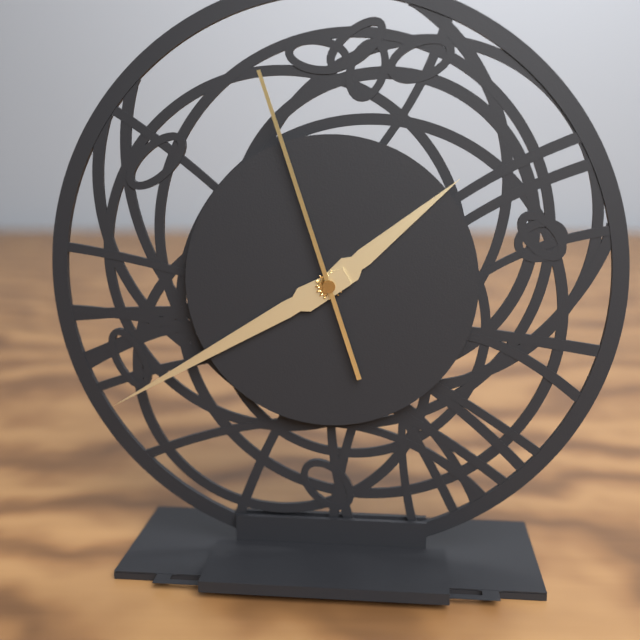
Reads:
{"hour": 1, "minute": 40, "second": 57}
